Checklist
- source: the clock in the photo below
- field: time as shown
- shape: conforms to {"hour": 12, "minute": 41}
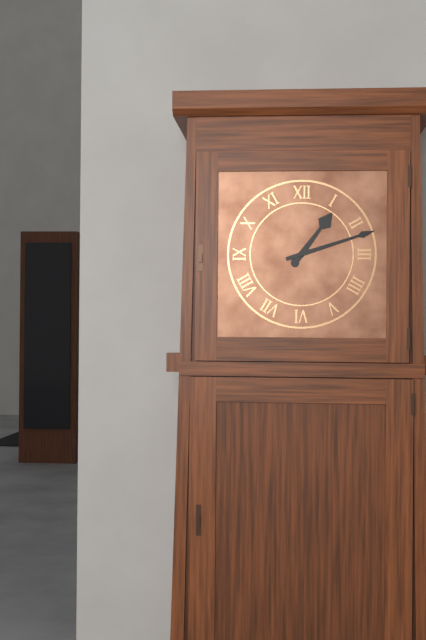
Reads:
{"hour": 1, "minute": 12}
